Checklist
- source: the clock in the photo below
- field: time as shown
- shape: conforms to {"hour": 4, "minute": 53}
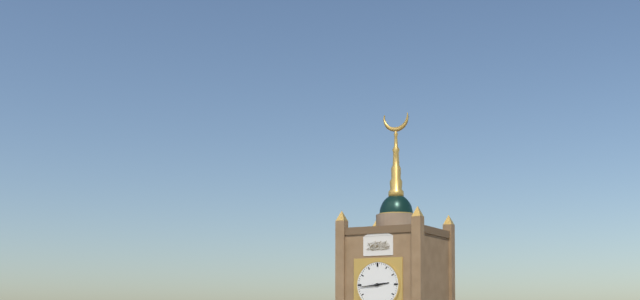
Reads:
{"hour": 2, "minute": 44}
